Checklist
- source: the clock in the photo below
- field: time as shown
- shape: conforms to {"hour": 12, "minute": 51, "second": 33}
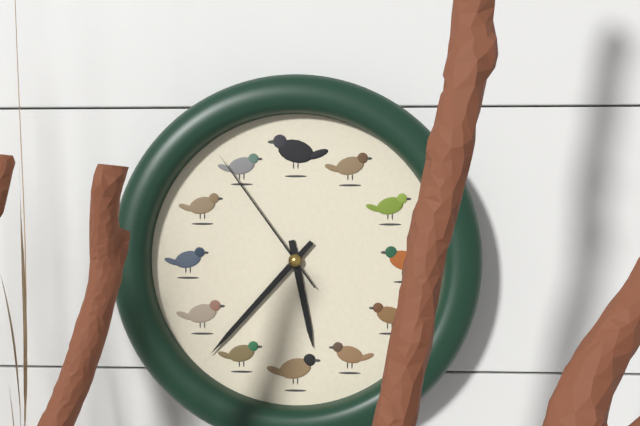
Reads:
{"hour": 5, "minute": 37, "second": 54}
